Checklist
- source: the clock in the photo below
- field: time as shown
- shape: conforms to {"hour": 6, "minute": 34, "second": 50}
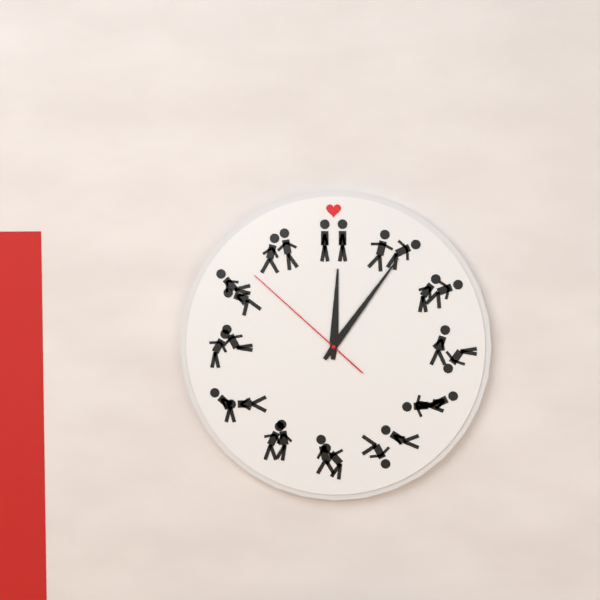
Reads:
{"hour": 12, "minute": 6, "second": 52}
